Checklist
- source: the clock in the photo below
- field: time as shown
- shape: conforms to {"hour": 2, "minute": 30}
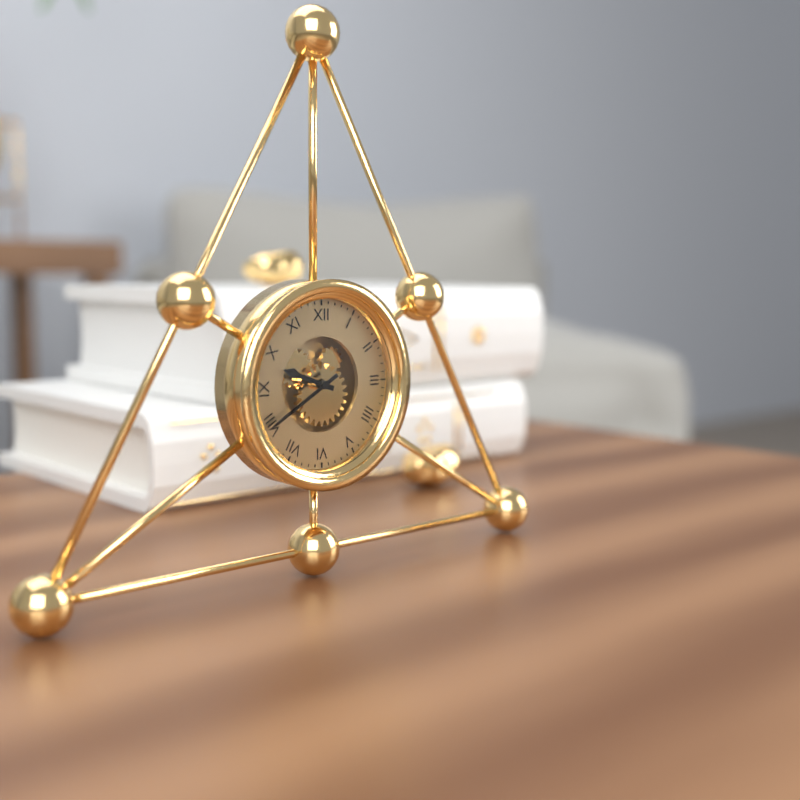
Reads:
{"hour": 9, "minute": 40}
